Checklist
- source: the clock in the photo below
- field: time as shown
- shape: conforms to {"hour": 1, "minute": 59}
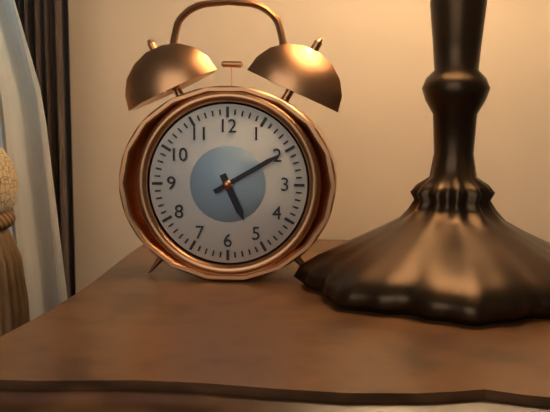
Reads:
{"hour": 5, "minute": 10}
